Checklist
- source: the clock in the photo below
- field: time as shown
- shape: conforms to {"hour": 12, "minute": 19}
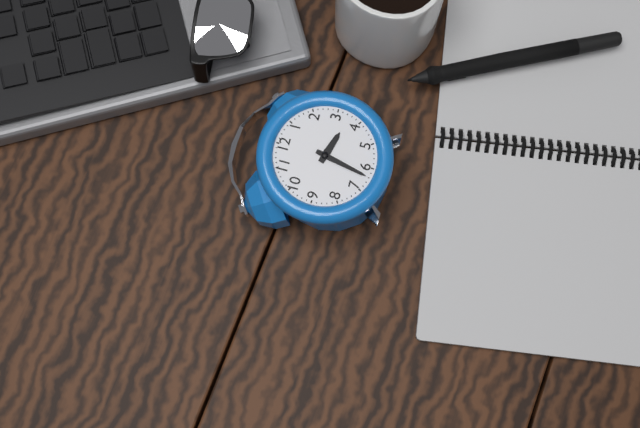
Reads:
{"hour": 3, "minute": 32}
